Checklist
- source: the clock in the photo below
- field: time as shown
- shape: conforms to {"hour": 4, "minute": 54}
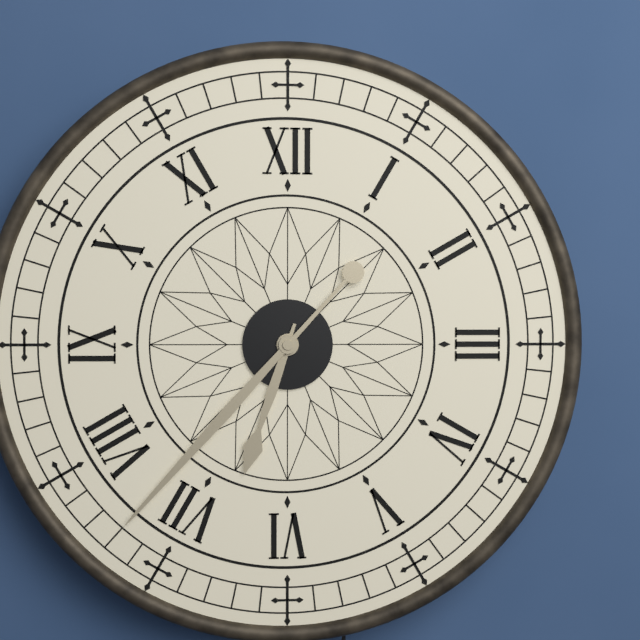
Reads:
{"hour": 6, "minute": 37}
